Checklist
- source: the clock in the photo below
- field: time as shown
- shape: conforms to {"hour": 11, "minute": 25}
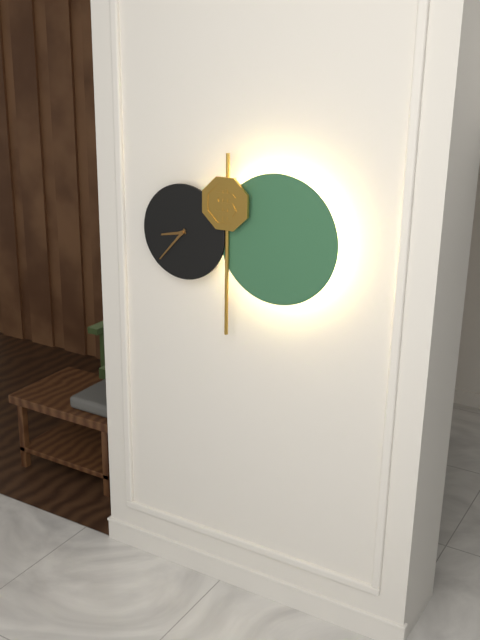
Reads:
{"hour": 8, "minute": 37}
